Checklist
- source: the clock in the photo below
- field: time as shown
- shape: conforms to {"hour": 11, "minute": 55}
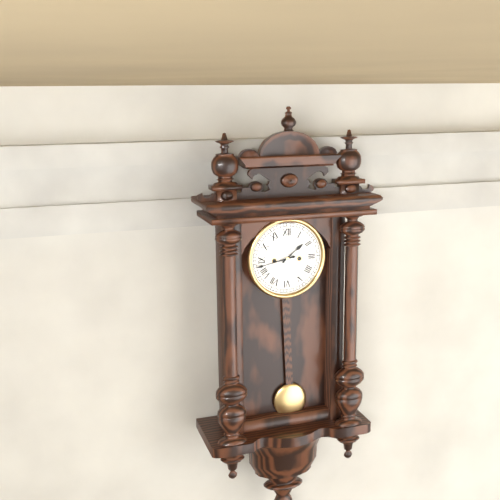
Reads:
{"hour": 1, "minute": 43}
